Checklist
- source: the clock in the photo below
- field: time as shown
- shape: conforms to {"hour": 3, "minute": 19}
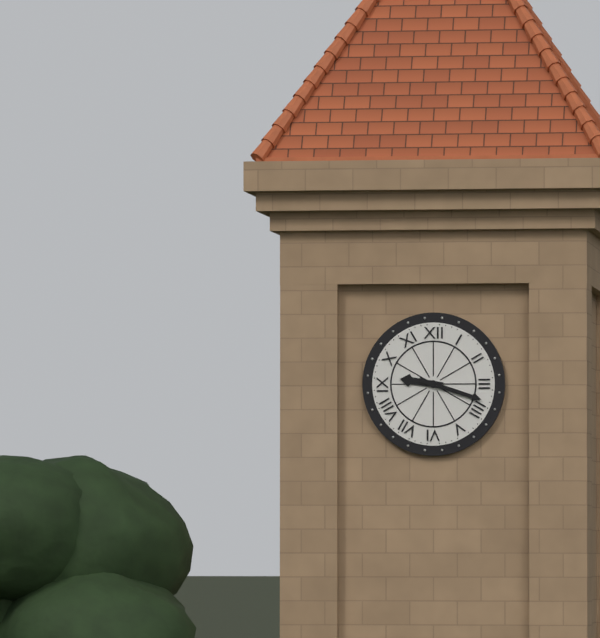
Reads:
{"hour": 9, "minute": 18}
